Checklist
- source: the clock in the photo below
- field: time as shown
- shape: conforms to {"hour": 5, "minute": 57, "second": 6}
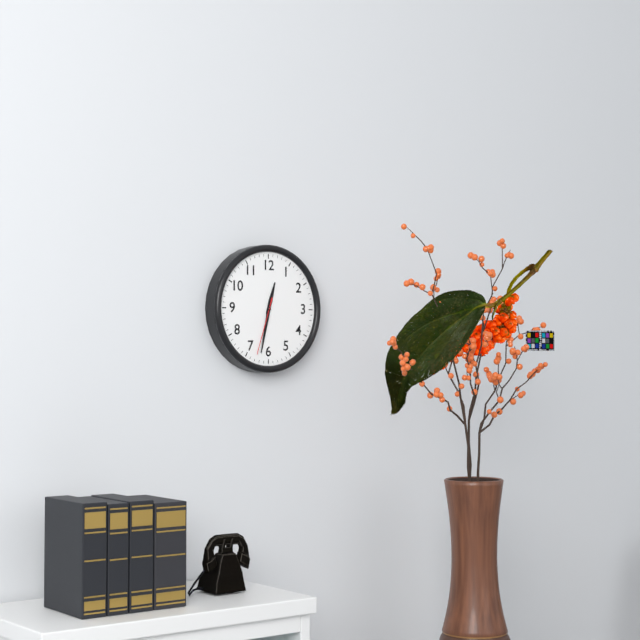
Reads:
{"hour": 12, "minute": 32, "second": 33}
